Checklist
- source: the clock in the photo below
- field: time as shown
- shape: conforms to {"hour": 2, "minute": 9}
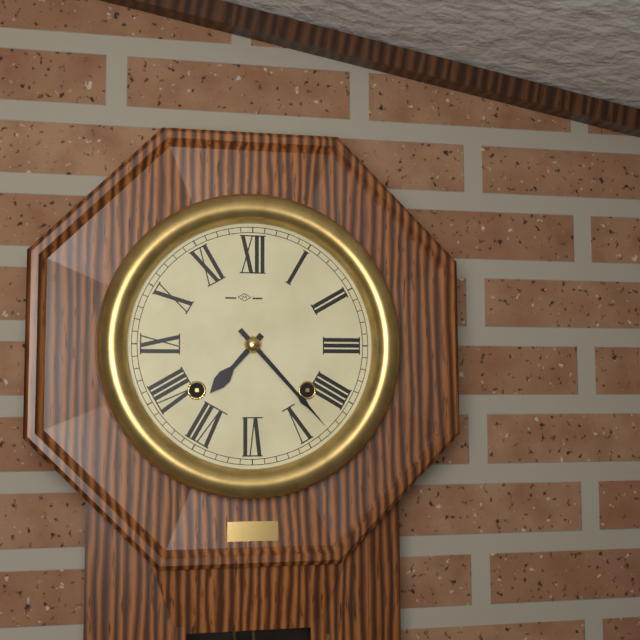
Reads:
{"hour": 7, "minute": 23}
